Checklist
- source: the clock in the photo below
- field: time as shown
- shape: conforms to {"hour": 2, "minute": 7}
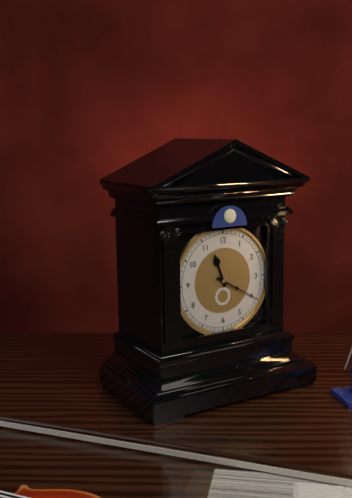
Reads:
{"hour": 11, "minute": 20}
